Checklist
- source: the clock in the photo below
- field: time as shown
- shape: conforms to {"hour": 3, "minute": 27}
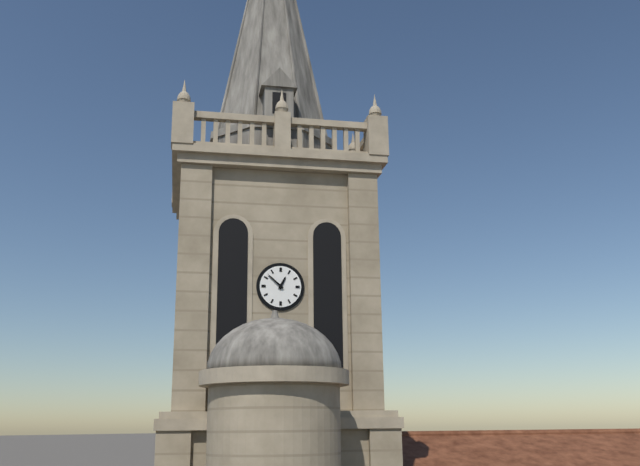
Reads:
{"hour": 12, "minute": 52}
